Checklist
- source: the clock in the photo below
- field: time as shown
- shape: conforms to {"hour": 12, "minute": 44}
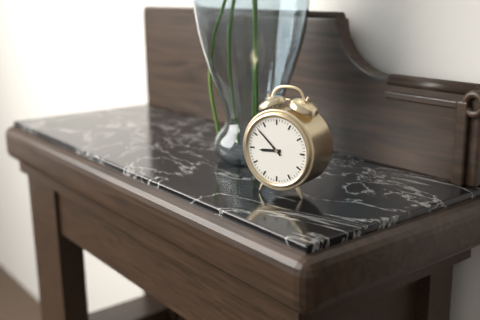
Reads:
{"hour": 8, "minute": 52}
